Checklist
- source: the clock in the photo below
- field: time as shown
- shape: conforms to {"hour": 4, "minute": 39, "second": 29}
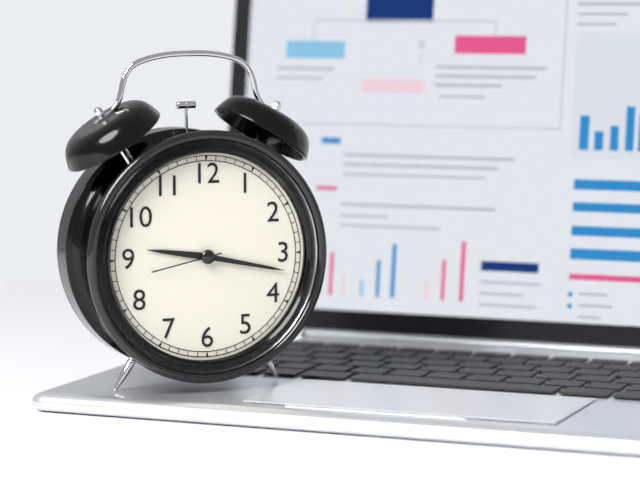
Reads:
{"hour": 9, "minute": 17, "second": 43}
